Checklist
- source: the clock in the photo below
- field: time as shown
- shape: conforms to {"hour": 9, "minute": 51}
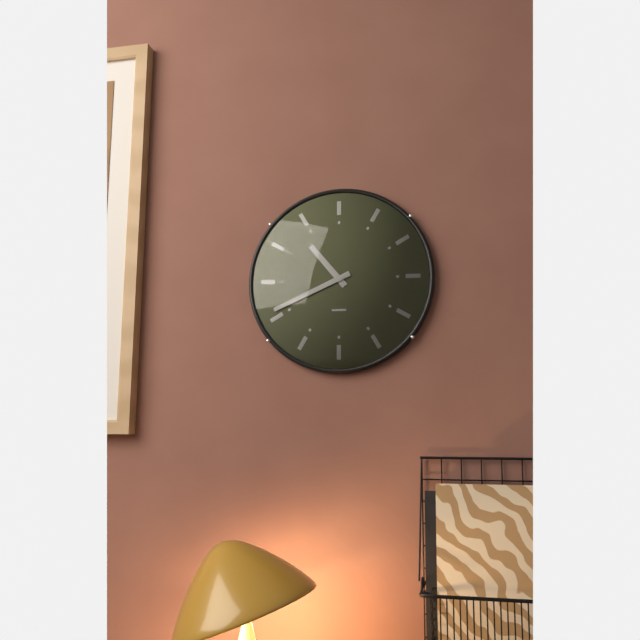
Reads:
{"hour": 10, "minute": 41}
